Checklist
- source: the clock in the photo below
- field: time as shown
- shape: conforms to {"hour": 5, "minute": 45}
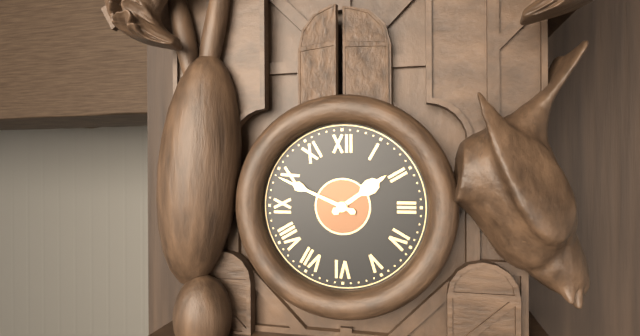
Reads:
{"hour": 1, "minute": 49}
